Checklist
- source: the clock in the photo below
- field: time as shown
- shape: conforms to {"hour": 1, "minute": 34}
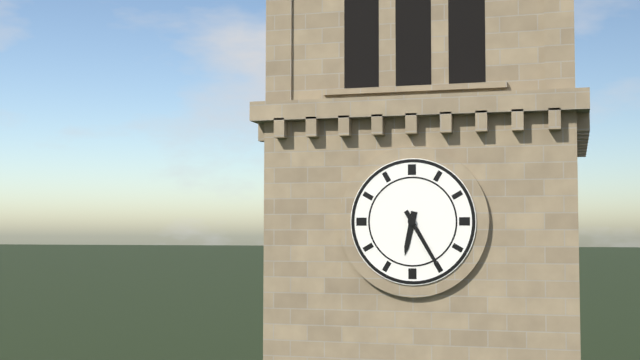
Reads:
{"hour": 6, "minute": 25}
